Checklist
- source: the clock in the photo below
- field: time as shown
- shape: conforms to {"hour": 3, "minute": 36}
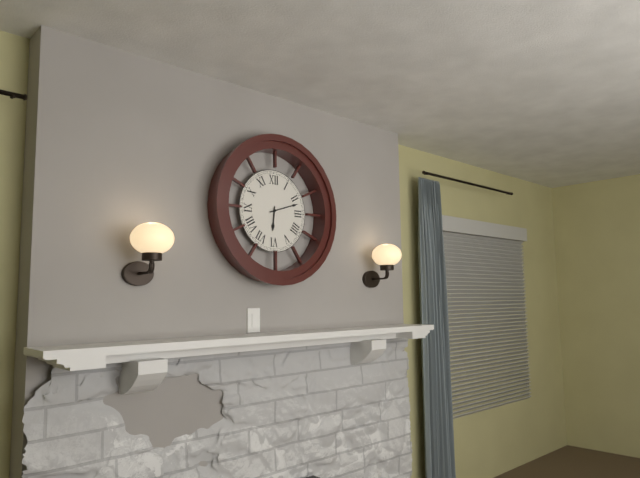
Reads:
{"hour": 6, "minute": 12}
